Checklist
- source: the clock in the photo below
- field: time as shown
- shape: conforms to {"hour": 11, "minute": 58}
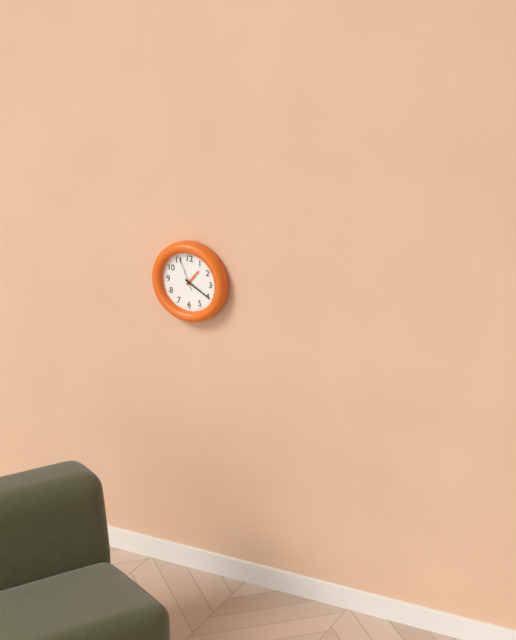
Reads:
{"hour": 1, "minute": 20}
